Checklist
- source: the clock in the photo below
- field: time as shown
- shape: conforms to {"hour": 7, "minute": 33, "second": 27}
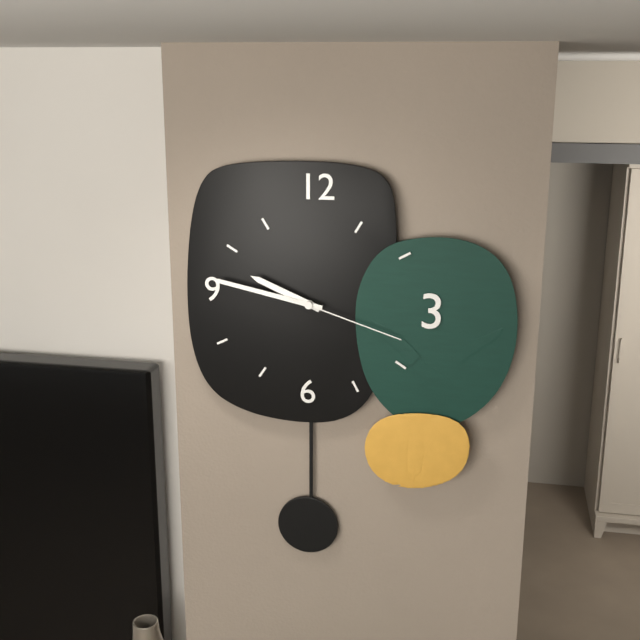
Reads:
{"hour": 9, "minute": 47, "second": 18}
